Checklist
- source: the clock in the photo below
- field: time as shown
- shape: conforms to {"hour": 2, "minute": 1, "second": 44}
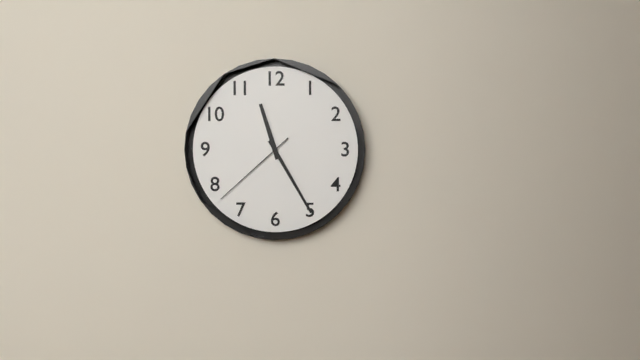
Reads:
{"hour": 11, "minute": 25, "second": 38}
